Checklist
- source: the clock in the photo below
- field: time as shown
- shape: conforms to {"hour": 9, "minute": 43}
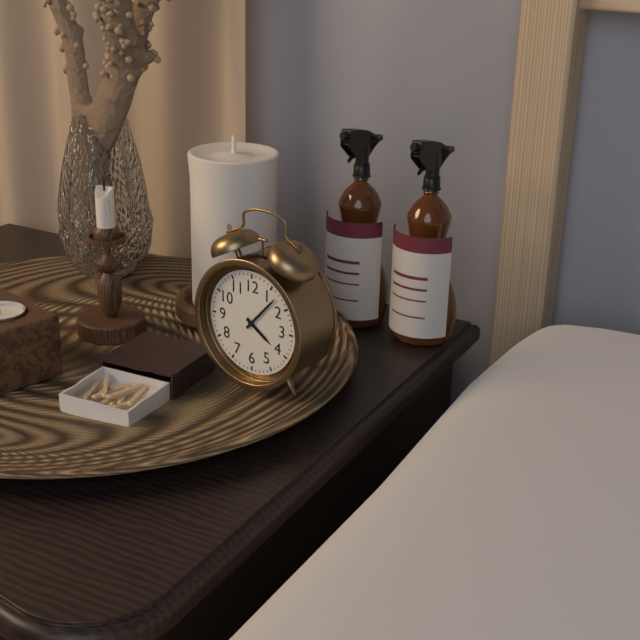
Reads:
{"hour": 4, "minute": 7}
